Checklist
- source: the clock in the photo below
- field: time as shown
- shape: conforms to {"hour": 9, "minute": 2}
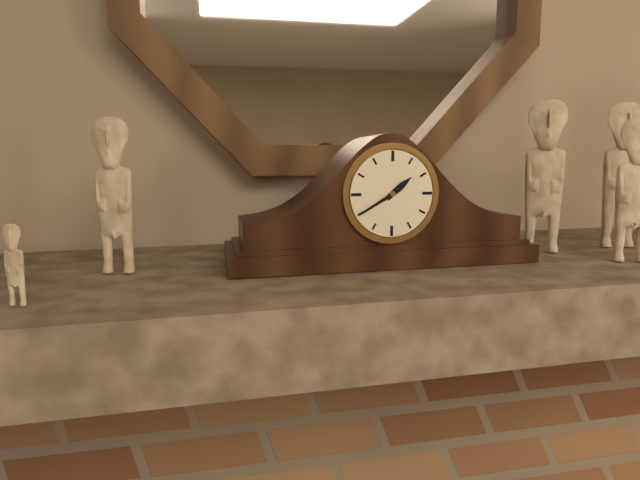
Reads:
{"hour": 1, "minute": 40}
